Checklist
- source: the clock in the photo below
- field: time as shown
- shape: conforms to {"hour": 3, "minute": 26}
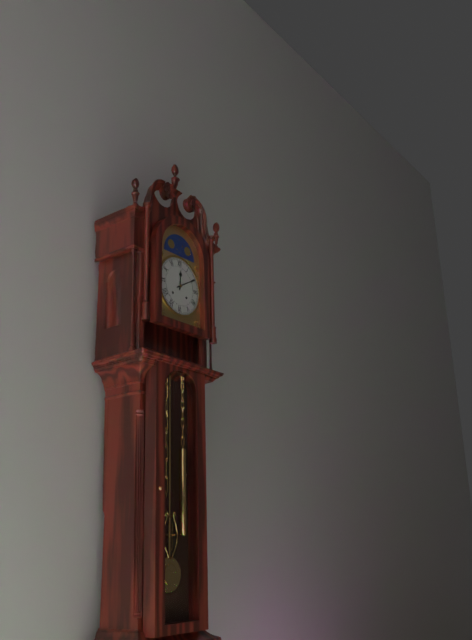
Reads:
{"hour": 12, "minute": 10}
